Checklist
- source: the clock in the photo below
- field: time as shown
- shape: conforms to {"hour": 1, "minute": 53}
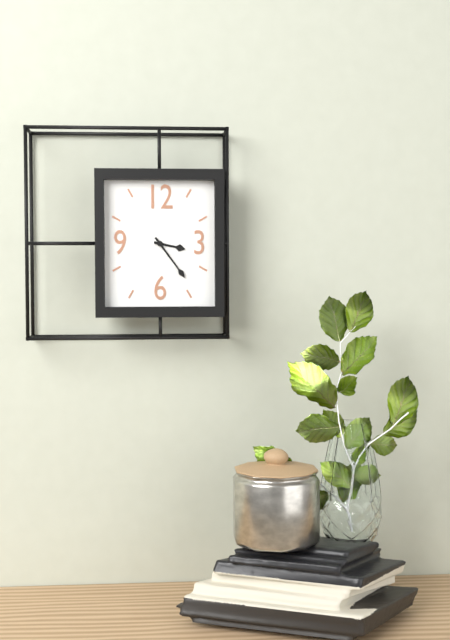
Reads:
{"hour": 3, "minute": 24}
